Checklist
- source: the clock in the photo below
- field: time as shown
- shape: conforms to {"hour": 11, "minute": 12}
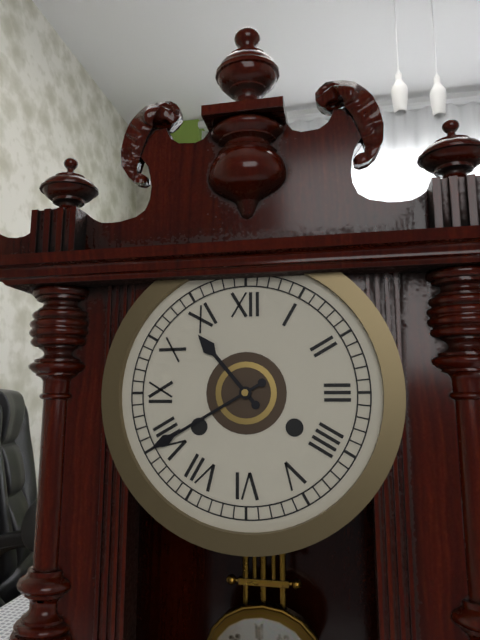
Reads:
{"hour": 10, "minute": 40}
